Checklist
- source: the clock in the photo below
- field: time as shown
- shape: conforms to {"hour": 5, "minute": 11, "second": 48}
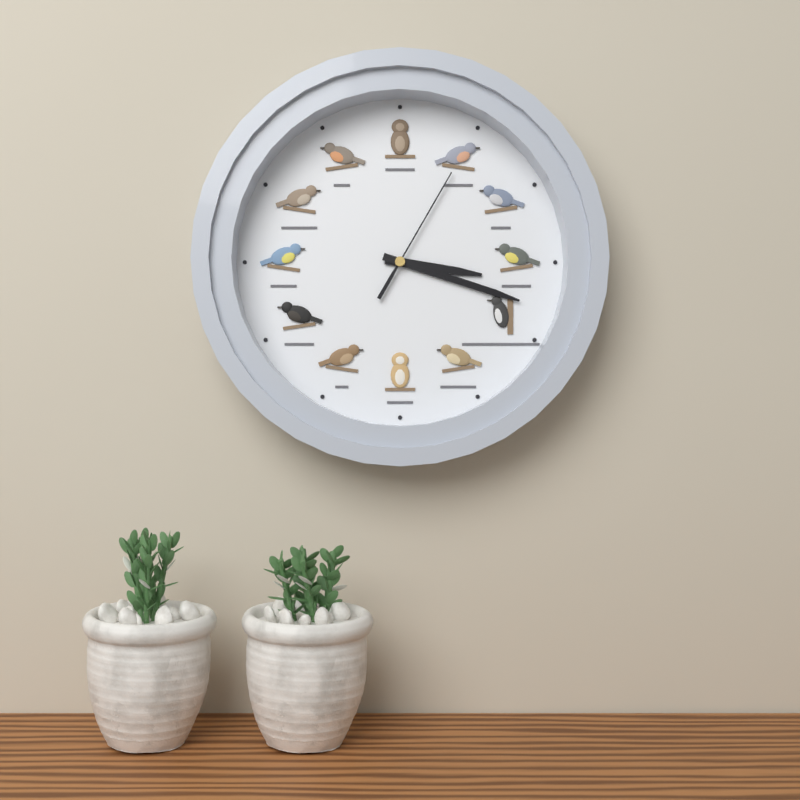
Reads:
{"hour": 3, "minute": 18, "second": 5}
